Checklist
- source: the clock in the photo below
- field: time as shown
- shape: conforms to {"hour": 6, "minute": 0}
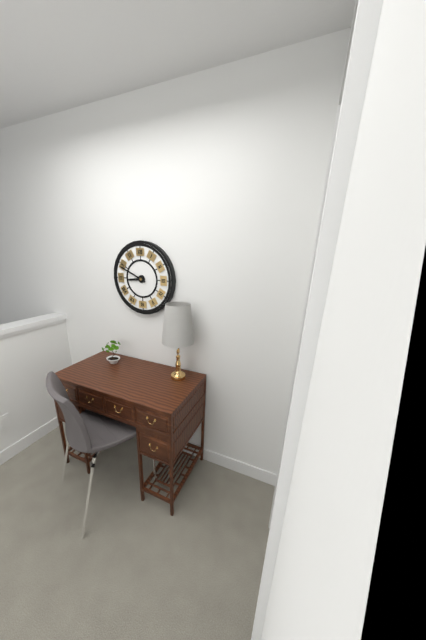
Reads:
{"hour": 8, "minute": 49}
